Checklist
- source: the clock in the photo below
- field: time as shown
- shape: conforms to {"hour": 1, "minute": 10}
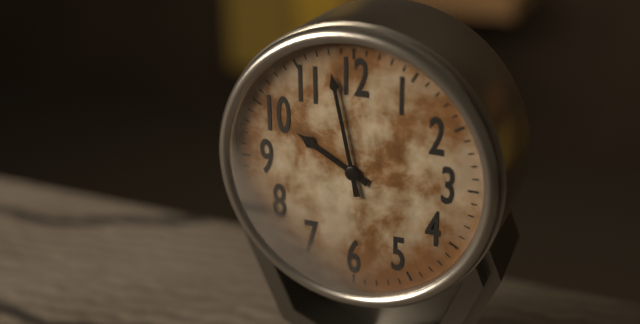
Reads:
{"hour": 9, "minute": 58}
